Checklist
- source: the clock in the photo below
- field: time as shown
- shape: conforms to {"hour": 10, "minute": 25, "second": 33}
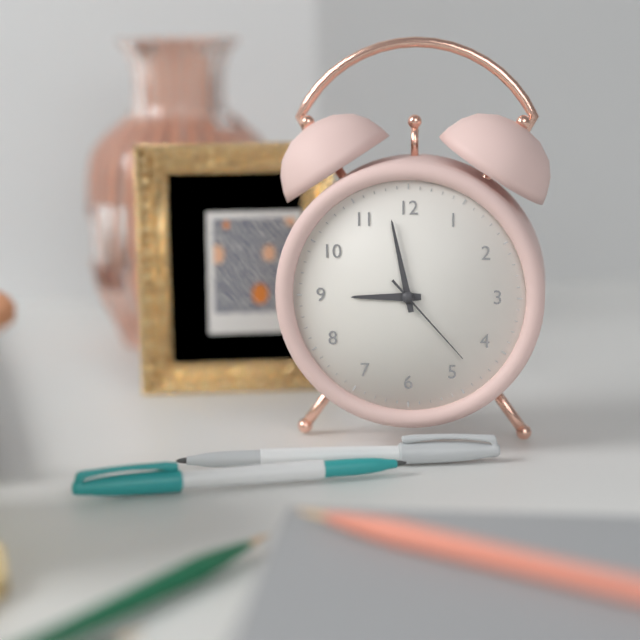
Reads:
{"hour": 8, "minute": 58, "second": 23}
